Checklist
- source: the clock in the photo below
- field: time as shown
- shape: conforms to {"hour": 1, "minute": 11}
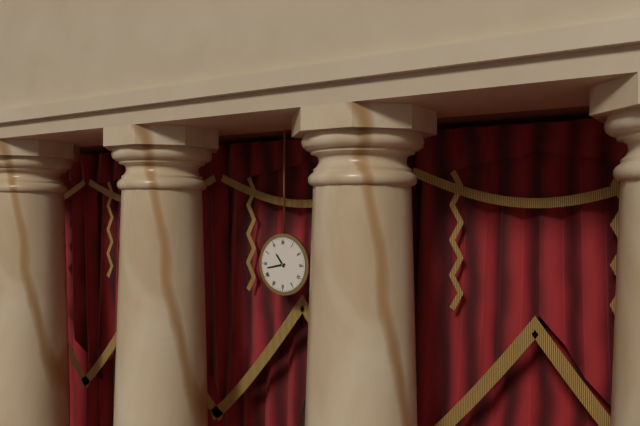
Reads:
{"hour": 10, "minute": 43}
